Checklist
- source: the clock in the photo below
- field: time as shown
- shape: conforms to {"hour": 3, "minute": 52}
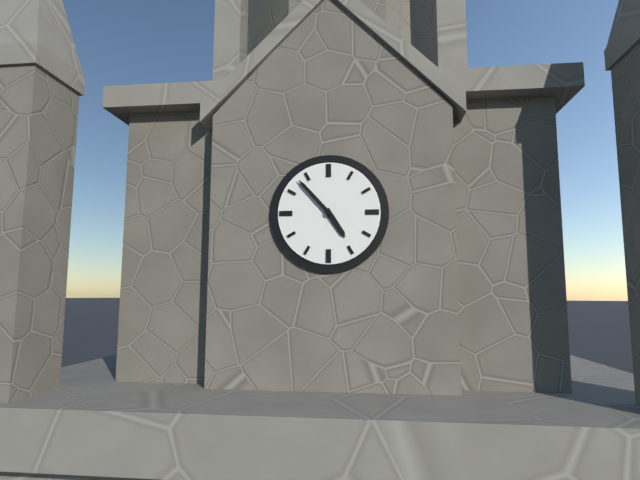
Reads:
{"hour": 4, "minute": 53}
